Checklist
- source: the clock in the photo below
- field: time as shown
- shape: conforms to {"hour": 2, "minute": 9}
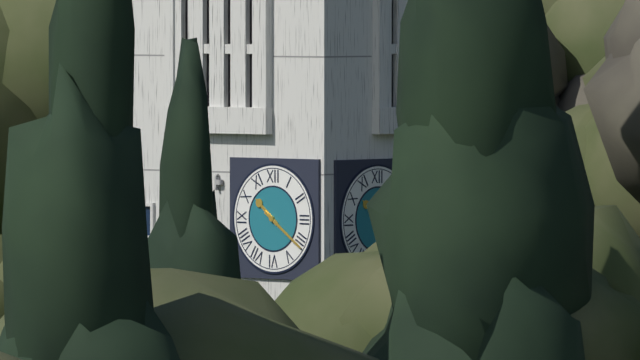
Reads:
{"hour": 10, "minute": 21}
